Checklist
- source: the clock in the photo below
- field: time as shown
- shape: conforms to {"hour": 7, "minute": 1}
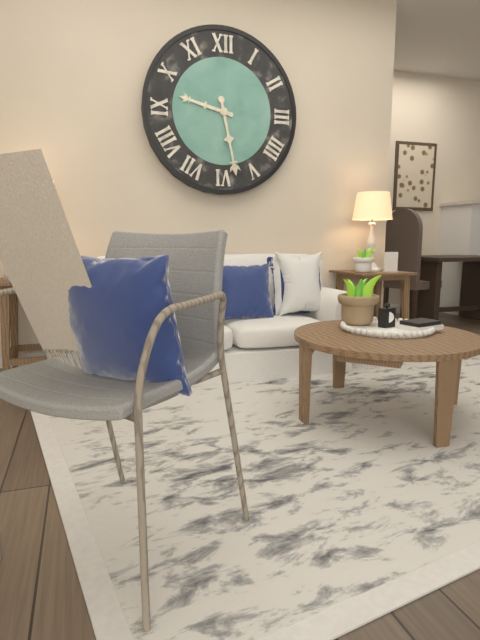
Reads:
{"hour": 9, "minute": 28}
